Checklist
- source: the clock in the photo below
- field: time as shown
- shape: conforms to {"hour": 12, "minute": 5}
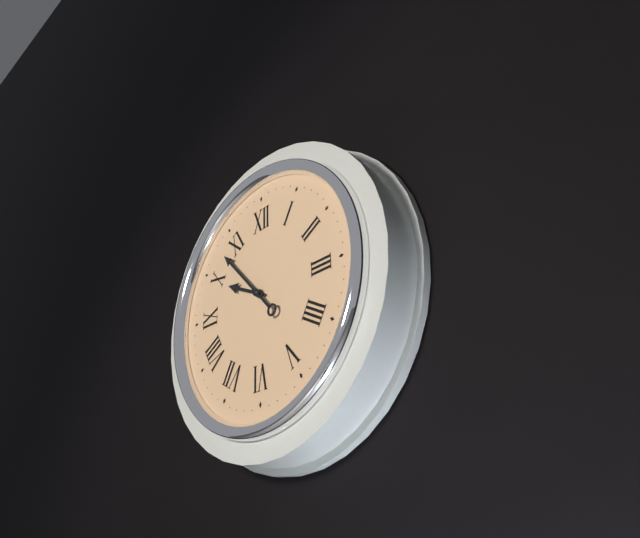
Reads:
{"hour": 9, "minute": 53}
